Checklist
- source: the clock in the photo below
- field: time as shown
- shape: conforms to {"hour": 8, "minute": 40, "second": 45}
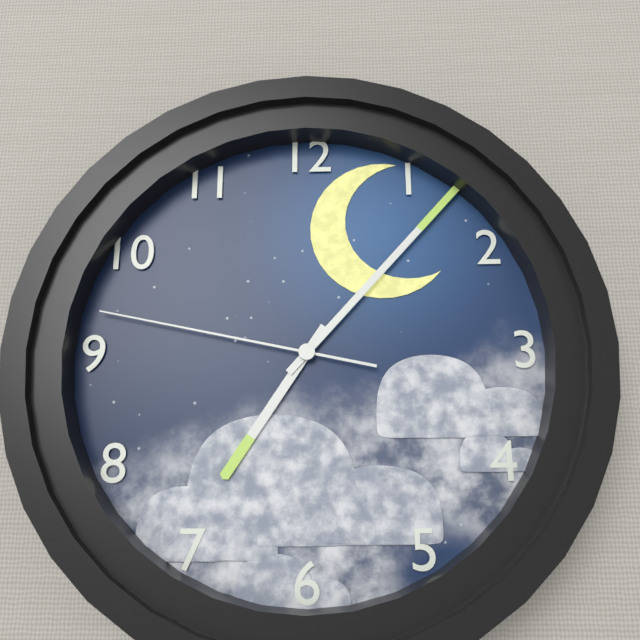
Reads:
{"hour": 7, "minute": 7, "second": 47}
